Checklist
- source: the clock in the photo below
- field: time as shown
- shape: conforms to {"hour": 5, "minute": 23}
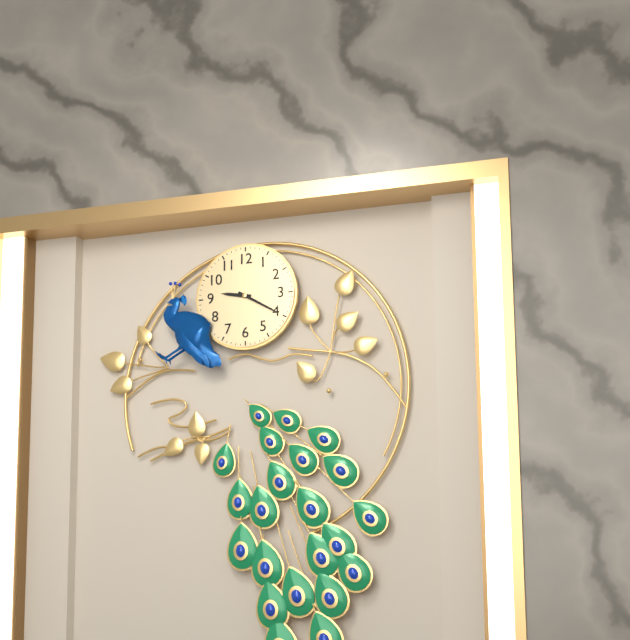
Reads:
{"hour": 9, "minute": 20}
